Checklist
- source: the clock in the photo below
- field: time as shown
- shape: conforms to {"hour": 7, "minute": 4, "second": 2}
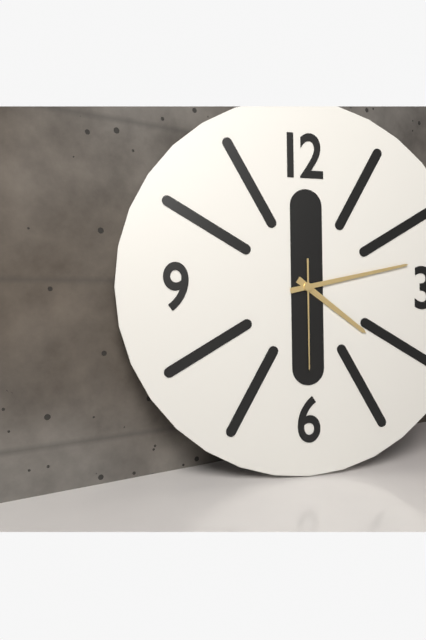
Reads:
{"hour": 4, "minute": 13, "second": 30}
